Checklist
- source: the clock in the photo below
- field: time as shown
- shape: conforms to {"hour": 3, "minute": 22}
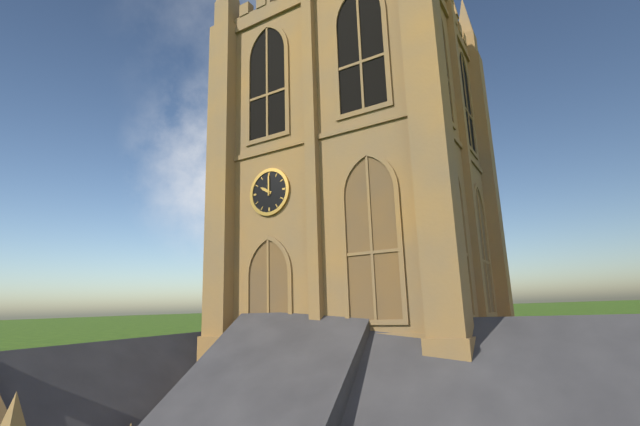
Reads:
{"hour": 10, "minute": 0}
